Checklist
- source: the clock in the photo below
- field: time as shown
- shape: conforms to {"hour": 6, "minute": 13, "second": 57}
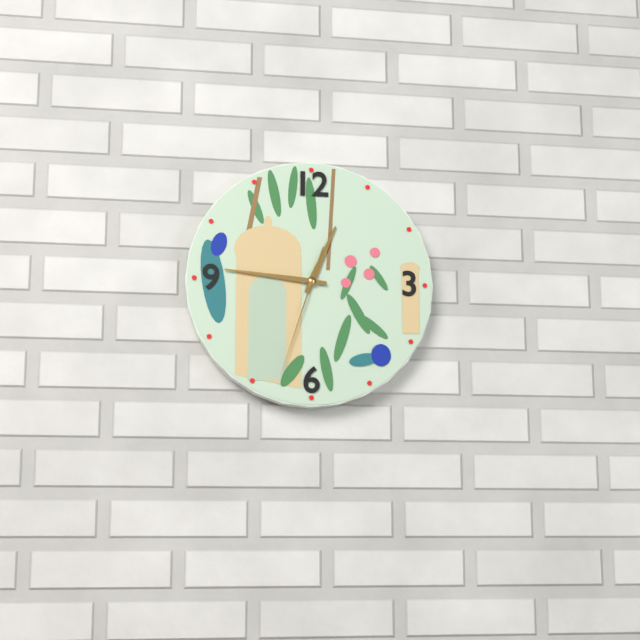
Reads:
{"hour": 12, "minute": 46, "second": 33}
